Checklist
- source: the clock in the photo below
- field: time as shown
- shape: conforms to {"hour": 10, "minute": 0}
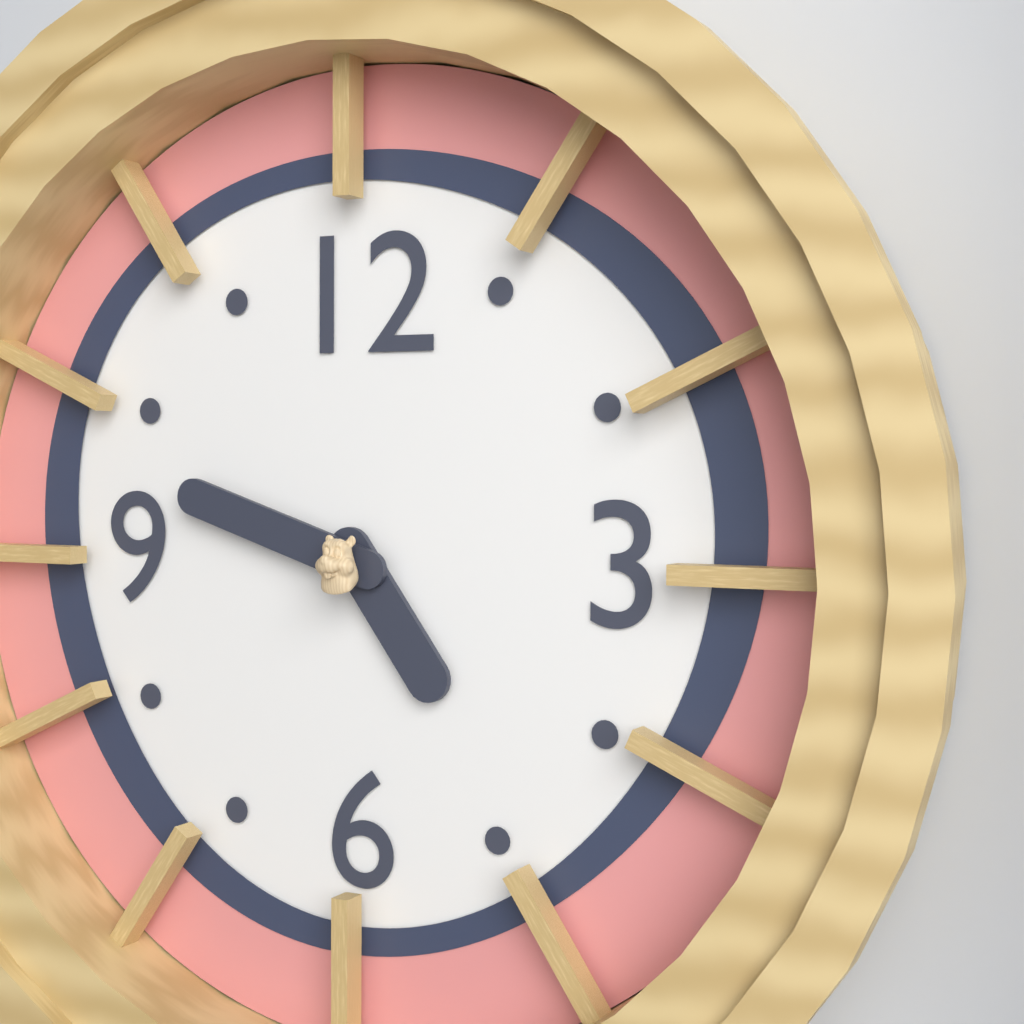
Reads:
{"hour": 4, "minute": 48}
